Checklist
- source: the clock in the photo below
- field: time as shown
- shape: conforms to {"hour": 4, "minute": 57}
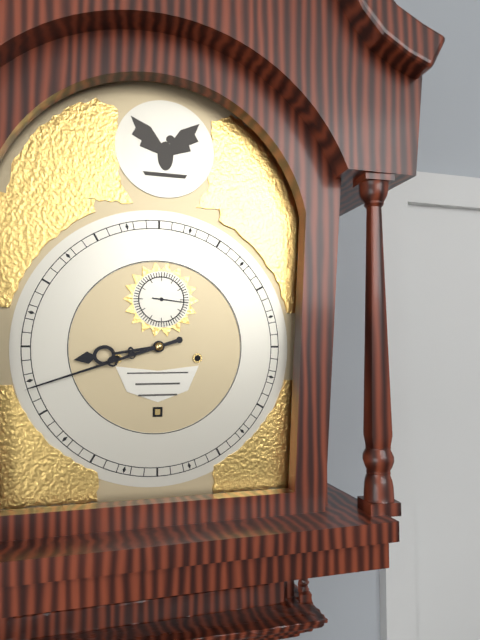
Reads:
{"hour": 8, "minute": 42}
